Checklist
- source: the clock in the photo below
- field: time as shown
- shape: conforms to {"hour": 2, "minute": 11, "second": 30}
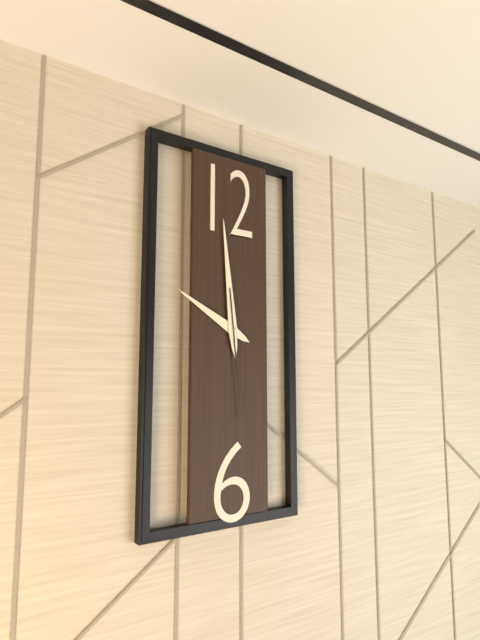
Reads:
{"hour": 9, "minute": 59, "second": 29}
